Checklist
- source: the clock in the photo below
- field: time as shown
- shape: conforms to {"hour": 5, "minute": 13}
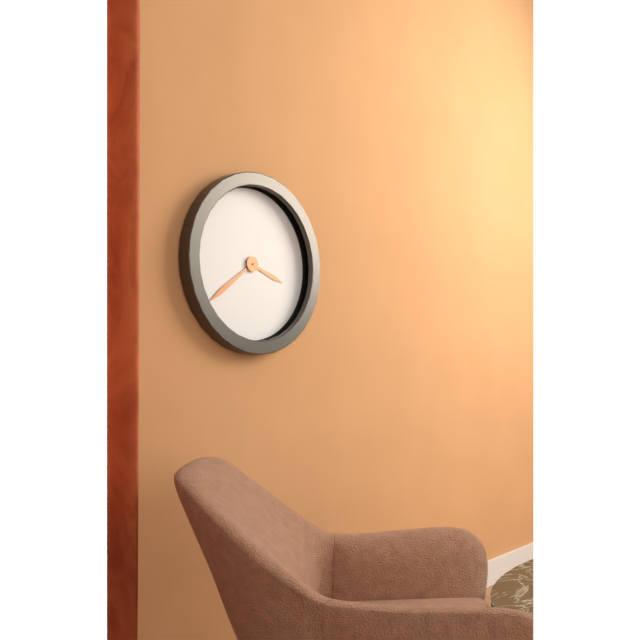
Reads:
{"hour": 3, "minute": 39}
